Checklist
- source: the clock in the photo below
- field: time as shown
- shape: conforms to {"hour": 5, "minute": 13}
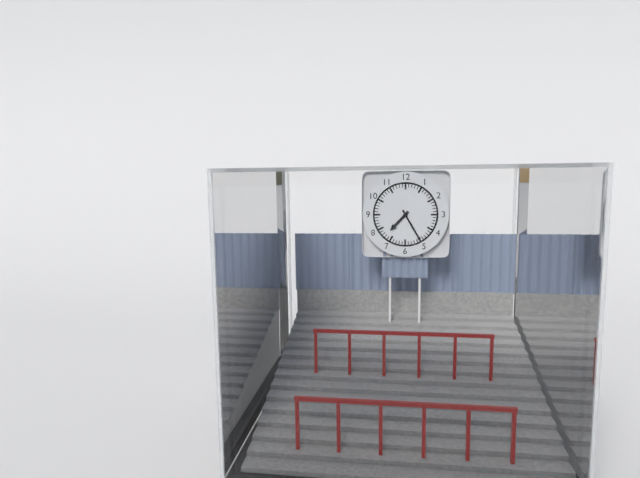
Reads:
{"hour": 7, "minute": 25}
